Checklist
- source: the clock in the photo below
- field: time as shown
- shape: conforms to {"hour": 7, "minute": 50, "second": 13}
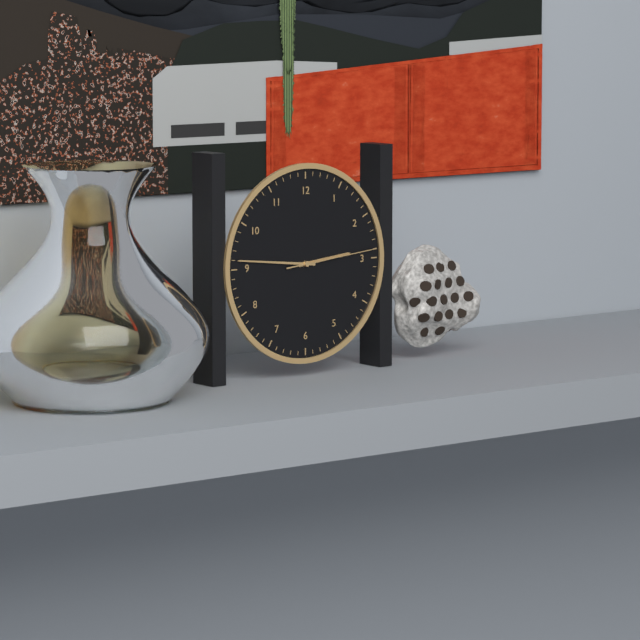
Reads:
{"hour": 2, "minute": 46, "second": 14}
